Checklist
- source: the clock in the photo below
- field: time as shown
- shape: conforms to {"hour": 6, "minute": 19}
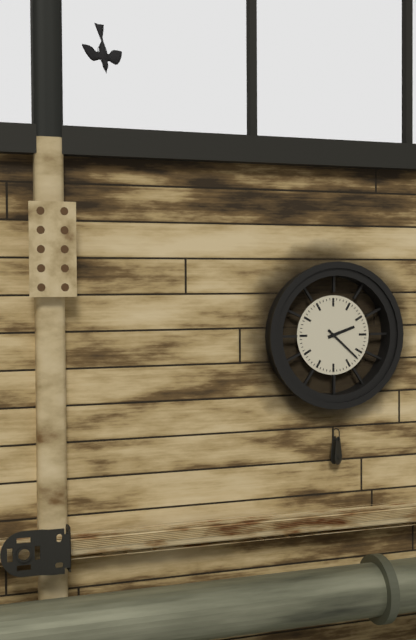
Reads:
{"hour": 2, "minute": 22}
